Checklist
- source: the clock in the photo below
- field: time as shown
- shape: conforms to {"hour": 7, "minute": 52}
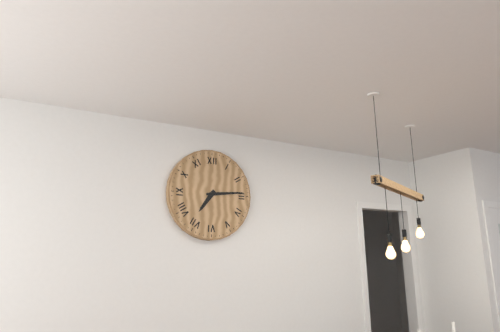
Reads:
{"hour": 7, "minute": 14}
